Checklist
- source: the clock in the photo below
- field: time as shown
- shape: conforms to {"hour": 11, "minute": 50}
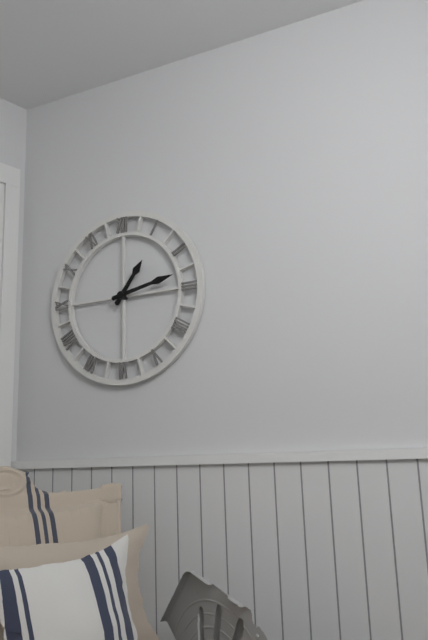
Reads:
{"hour": 1, "minute": 13}
